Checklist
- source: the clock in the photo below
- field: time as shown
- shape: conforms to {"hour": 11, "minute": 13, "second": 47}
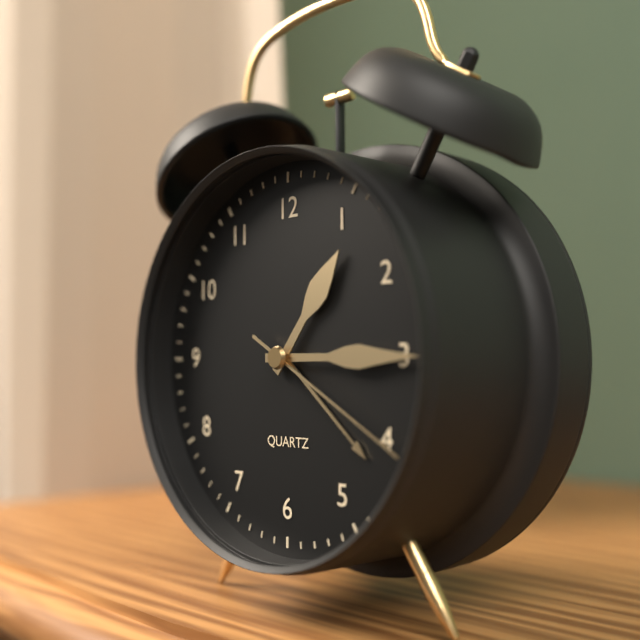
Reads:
{"hour": 1, "minute": 15, "second": 20}
